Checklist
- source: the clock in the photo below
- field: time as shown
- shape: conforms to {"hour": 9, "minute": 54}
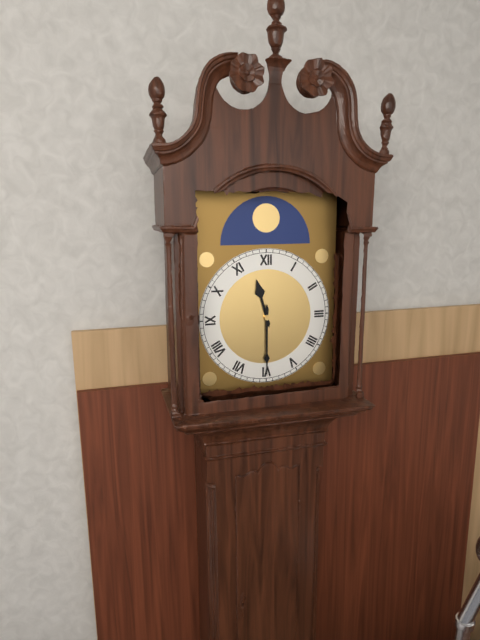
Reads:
{"hour": 11, "minute": 30}
